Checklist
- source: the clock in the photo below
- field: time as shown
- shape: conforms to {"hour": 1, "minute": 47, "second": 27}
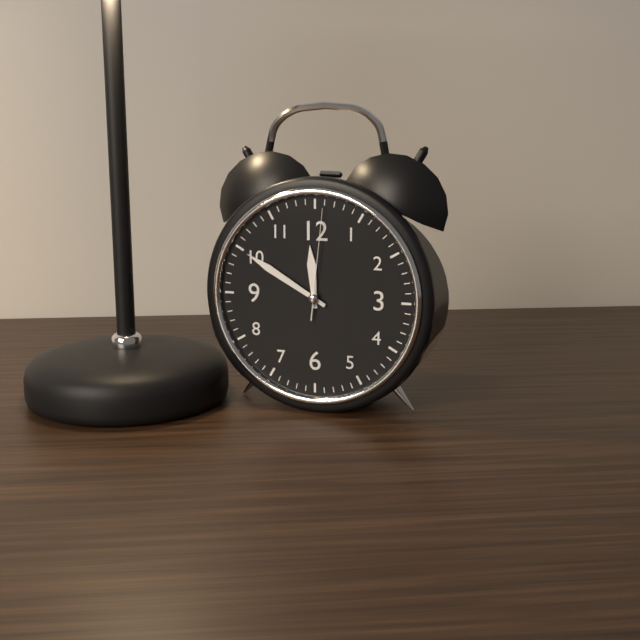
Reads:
{"hour": 11, "minute": 50, "second": 1}
